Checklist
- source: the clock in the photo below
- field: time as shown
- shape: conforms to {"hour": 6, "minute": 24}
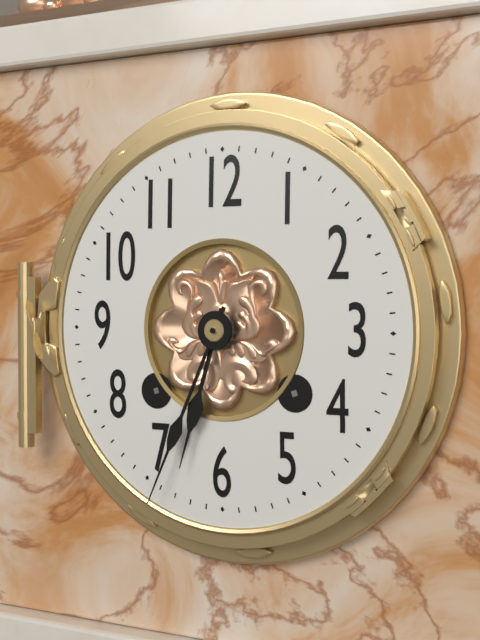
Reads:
{"hour": 6, "minute": 34}
